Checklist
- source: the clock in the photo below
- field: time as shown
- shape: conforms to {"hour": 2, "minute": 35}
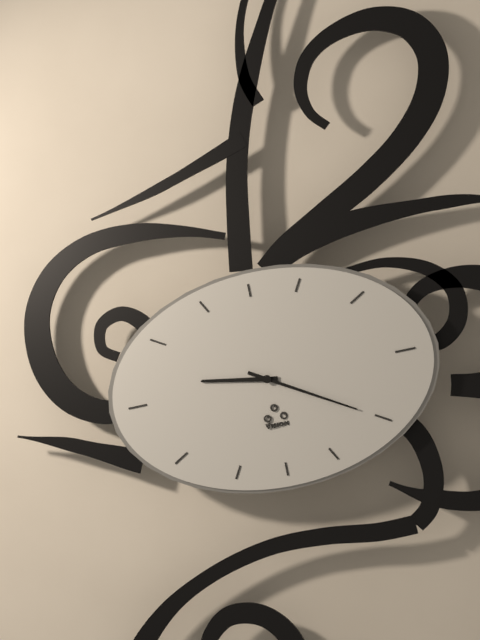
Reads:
{"hour": 9, "minute": 20}
